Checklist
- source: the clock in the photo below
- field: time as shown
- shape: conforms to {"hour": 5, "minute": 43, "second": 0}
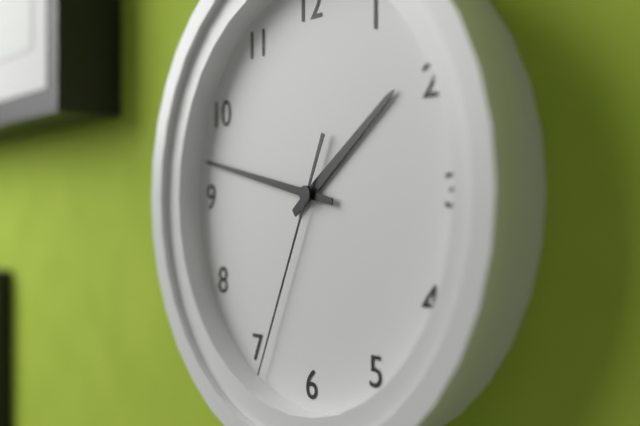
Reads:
{"hour": 1, "minute": 47, "second": 34}
